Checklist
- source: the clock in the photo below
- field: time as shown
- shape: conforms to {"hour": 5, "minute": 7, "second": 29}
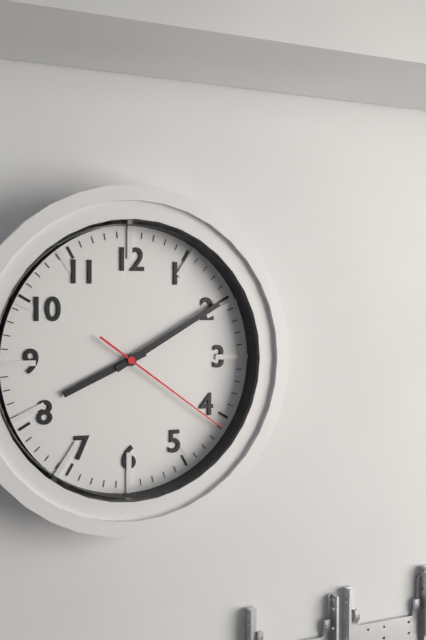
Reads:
{"hour": 8, "minute": 10, "second": 21}
